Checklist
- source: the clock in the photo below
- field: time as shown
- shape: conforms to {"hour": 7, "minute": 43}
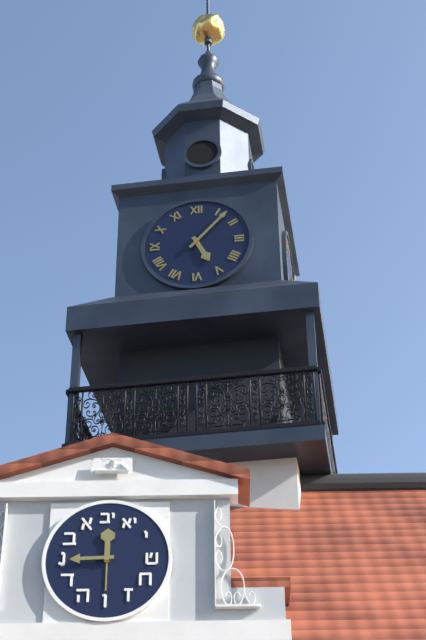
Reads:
{"hour": 5, "minute": 7}
